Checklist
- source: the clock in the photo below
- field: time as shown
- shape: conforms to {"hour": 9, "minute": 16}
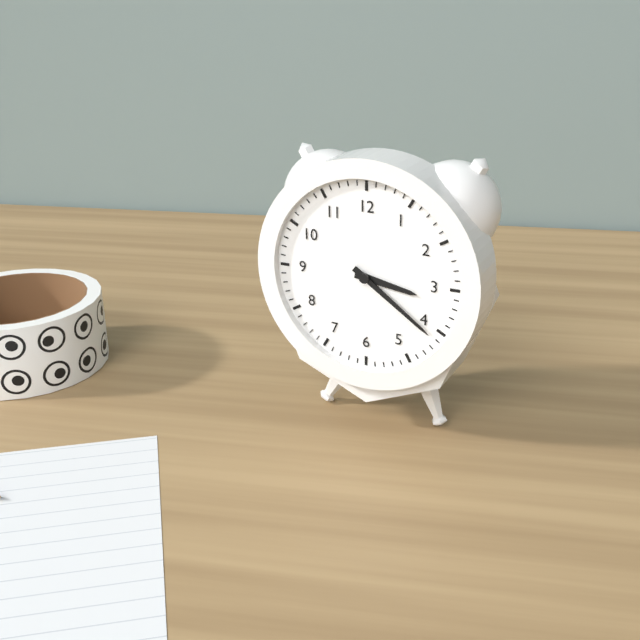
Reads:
{"hour": 3, "minute": 21}
